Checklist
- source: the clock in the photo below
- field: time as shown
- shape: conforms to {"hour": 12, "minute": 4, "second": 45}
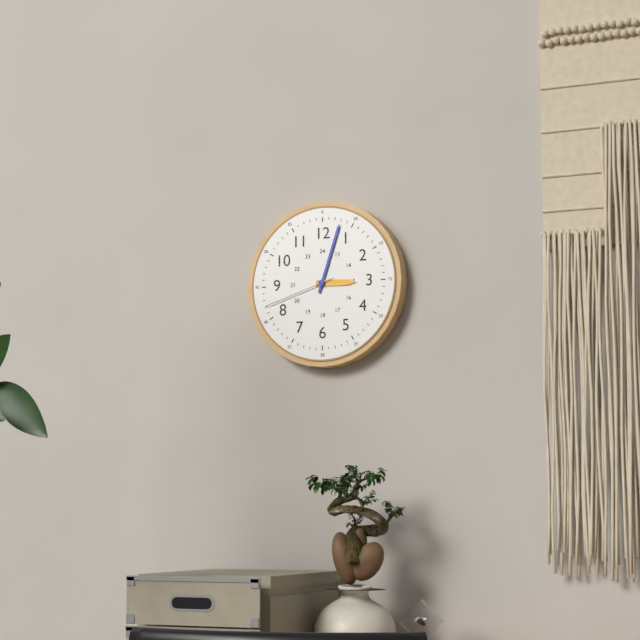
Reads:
{"hour": 3, "minute": 3, "second": 42}
